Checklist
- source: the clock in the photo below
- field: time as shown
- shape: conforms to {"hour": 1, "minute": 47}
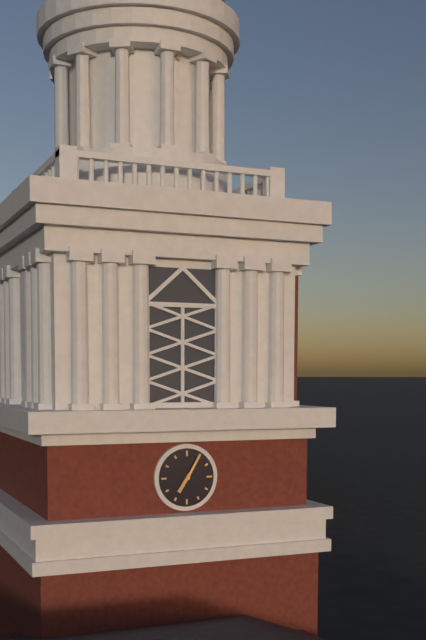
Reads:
{"hour": 7, "minute": 5}
